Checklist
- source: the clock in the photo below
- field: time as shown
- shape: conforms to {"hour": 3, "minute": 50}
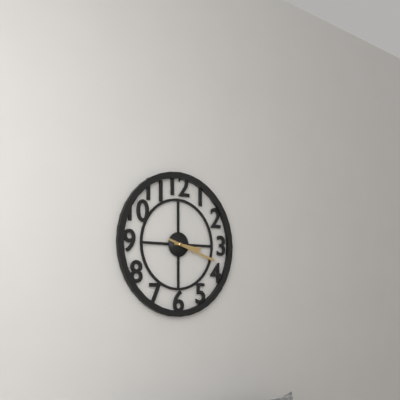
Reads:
{"hour": 3, "minute": 18}
